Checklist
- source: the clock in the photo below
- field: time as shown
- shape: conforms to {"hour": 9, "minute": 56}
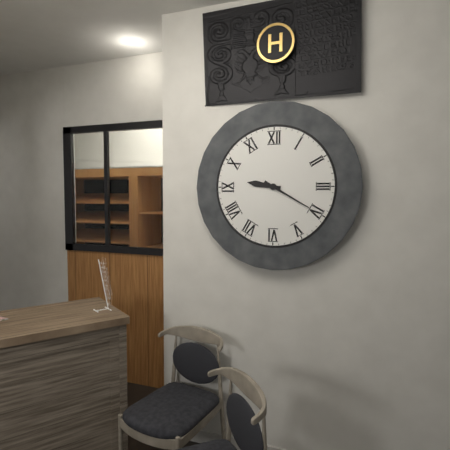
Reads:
{"hour": 9, "minute": 20}
